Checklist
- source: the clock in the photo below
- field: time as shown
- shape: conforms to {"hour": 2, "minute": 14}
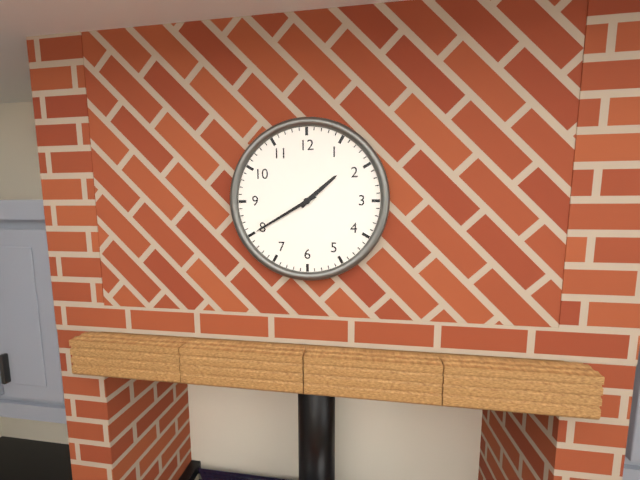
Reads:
{"hour": 1, "minute": 40}
